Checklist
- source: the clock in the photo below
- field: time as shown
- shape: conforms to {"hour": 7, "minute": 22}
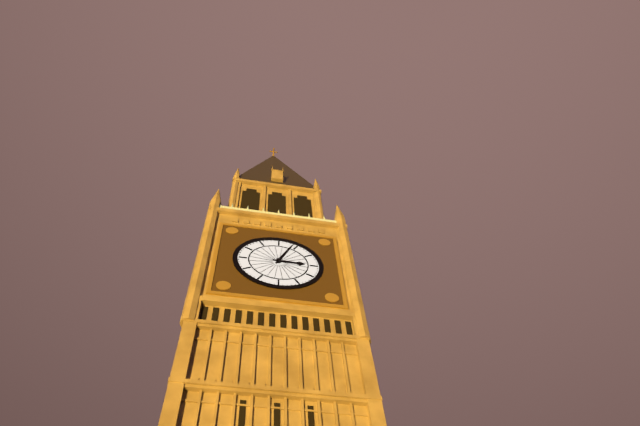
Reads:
{"hour": 3, "minute": 4}
